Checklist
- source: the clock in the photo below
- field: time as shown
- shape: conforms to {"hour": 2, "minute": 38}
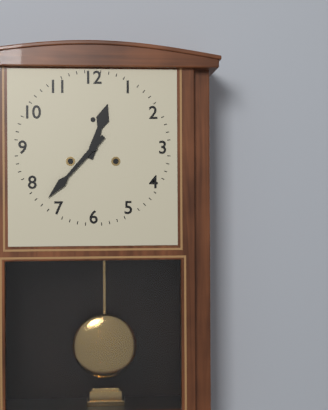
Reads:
{"hour": 12, "minute": 37}
